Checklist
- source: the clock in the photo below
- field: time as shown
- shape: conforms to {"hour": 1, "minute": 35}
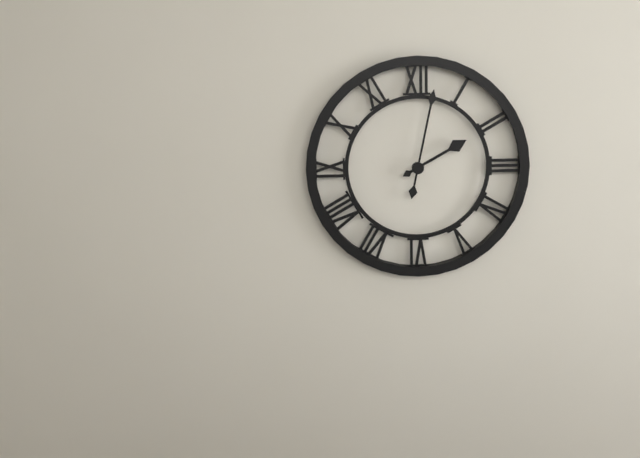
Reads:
{"hour": 2, "minute": 2}
